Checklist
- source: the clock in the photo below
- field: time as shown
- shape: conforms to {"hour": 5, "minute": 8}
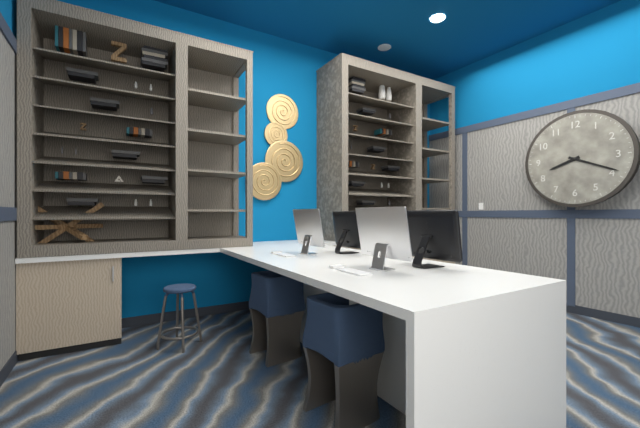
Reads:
{"hour": 8, "minute": 19}
